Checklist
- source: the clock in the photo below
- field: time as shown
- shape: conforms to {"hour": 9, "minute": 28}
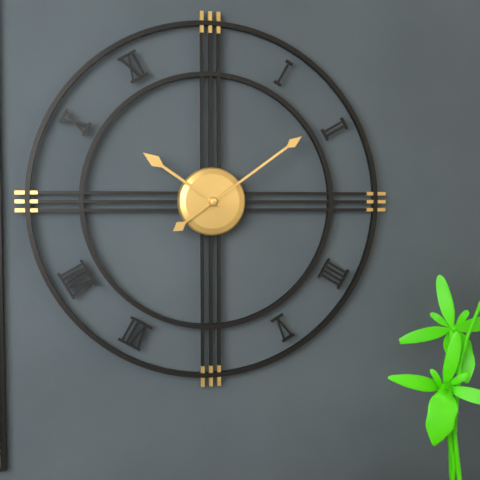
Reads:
{"hour": 10, "minute": 9}
